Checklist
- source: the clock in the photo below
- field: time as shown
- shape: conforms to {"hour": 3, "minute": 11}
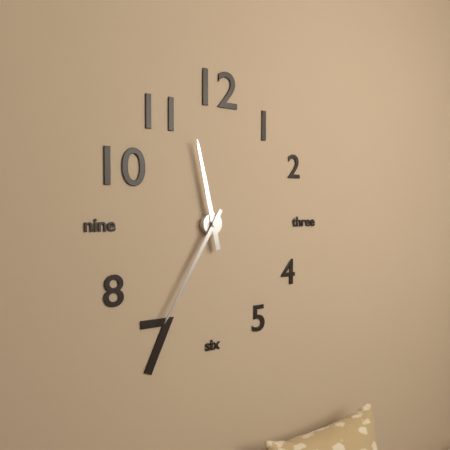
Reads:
{"hour": 11, "minute": 35}
